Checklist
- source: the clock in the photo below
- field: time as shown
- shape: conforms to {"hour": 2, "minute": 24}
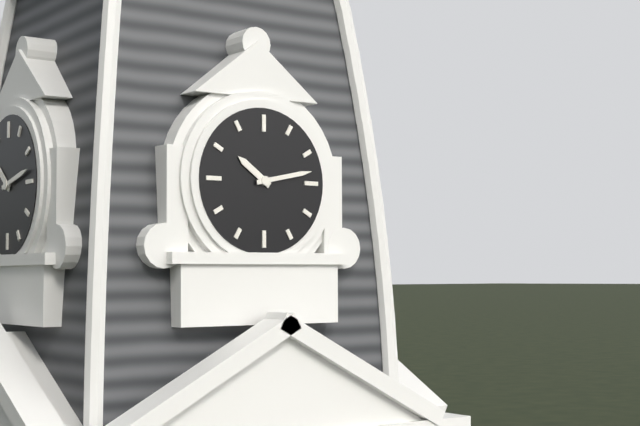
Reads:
{"hour": 10, "minute": 13}
